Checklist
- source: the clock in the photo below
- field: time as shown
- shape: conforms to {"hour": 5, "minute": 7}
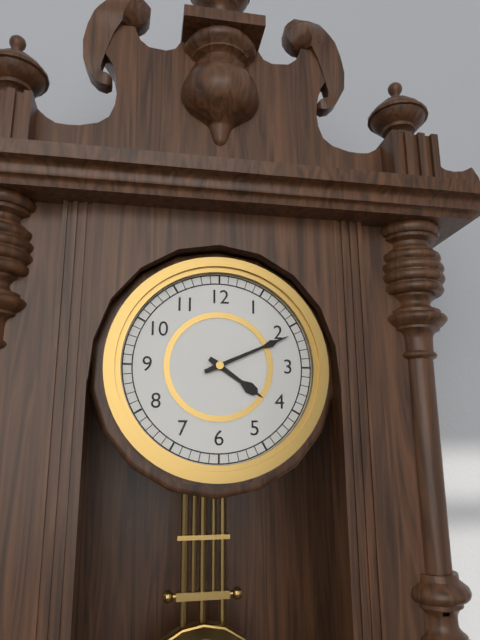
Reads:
{"hour": 4, "minute": 11}
